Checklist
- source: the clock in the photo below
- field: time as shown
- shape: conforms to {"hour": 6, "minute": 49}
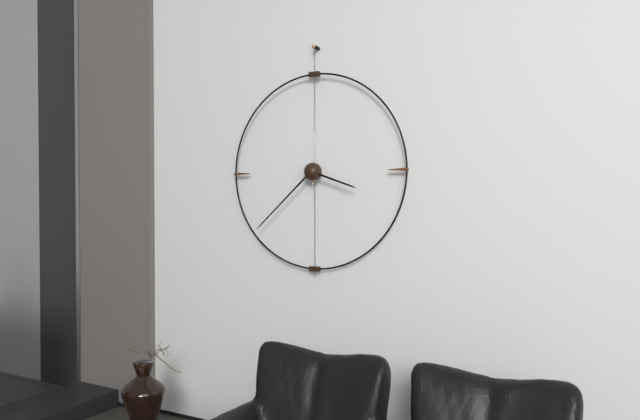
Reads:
{"hour": 3, "minute": 38}
